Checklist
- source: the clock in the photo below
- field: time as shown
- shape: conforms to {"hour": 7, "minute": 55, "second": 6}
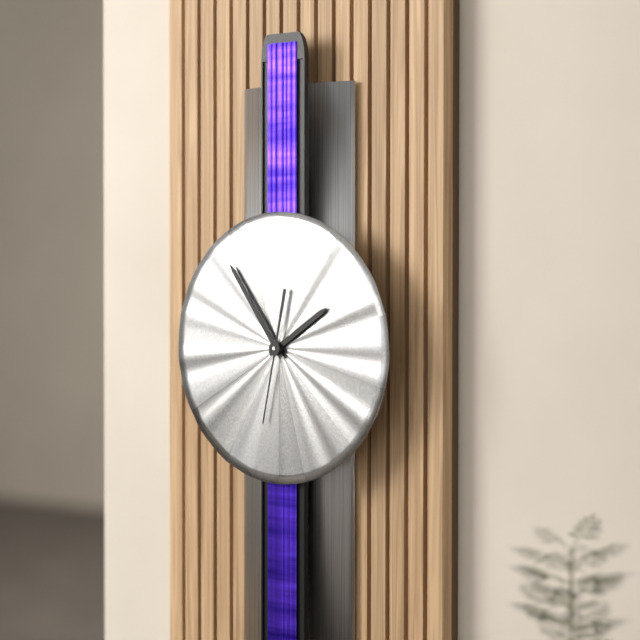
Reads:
{"hour": 1, "minute": 54, "second": 32}
